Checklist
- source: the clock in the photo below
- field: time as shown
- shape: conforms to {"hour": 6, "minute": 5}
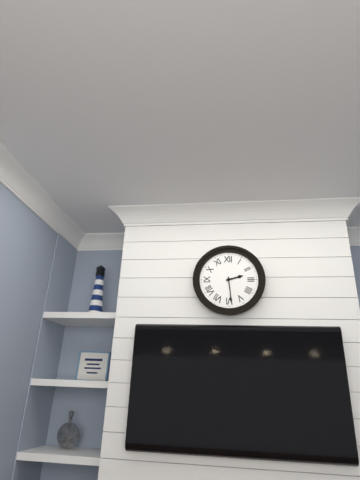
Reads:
{"hour": 2, "minute": 29}
